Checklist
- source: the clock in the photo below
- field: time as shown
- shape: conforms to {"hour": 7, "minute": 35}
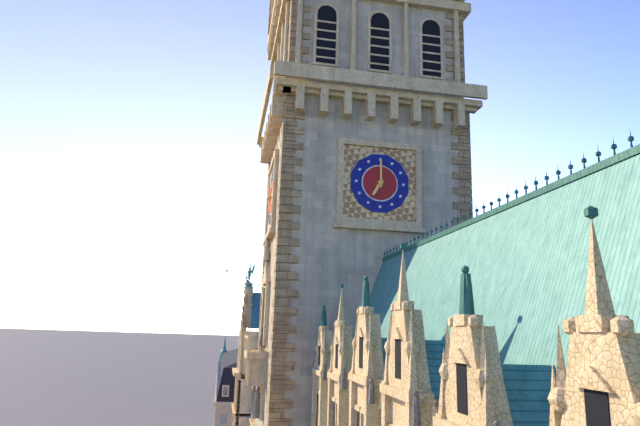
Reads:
{"hour": 7, "minute": 0}
